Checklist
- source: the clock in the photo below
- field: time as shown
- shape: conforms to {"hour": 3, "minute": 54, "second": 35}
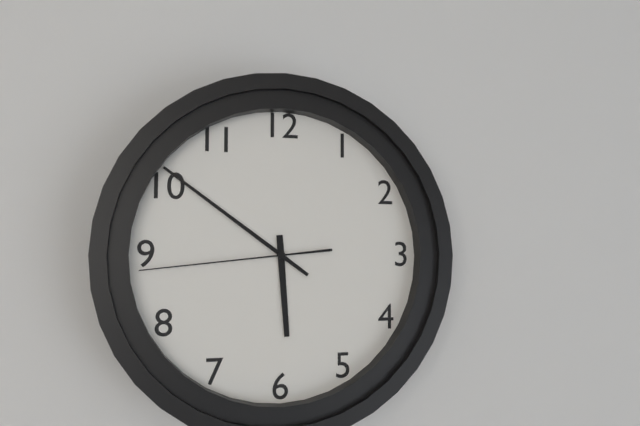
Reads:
{"hour": 5, "minute": 51, "second": 44}
